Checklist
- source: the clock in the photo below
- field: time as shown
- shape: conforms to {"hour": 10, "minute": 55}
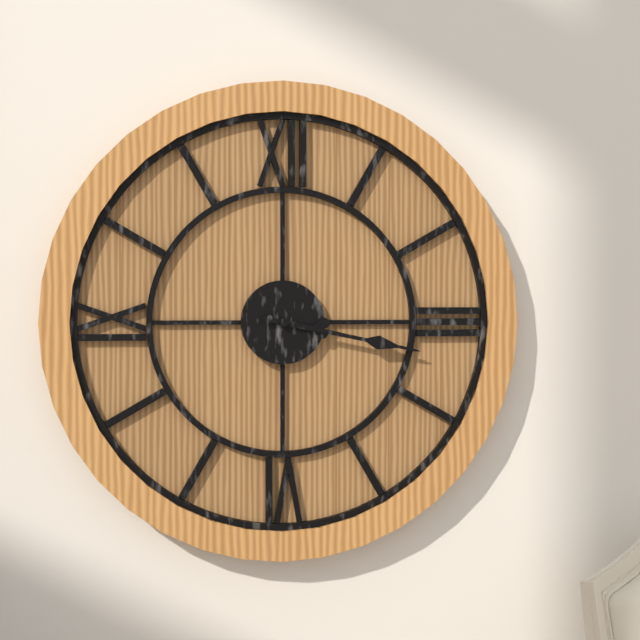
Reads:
{"hour": 3, "minute": 17}
